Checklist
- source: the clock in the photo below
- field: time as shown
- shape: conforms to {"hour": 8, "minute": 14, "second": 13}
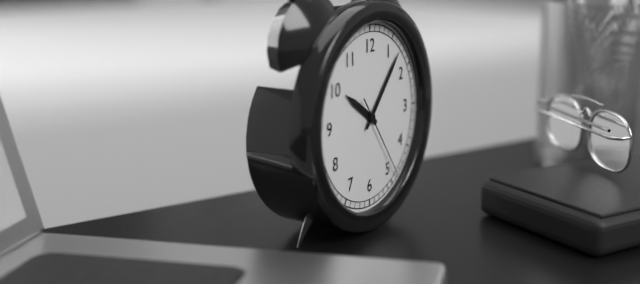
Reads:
{"hour": 10, "minute": 7, "second": 24}
